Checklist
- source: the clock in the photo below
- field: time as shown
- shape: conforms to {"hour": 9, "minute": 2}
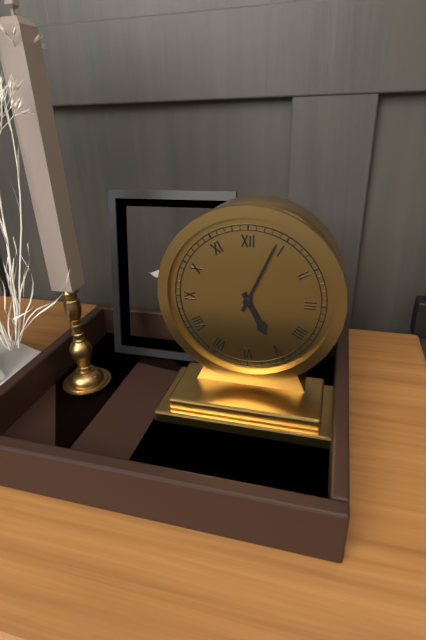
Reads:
{"hour": 5, "minute": 4}
